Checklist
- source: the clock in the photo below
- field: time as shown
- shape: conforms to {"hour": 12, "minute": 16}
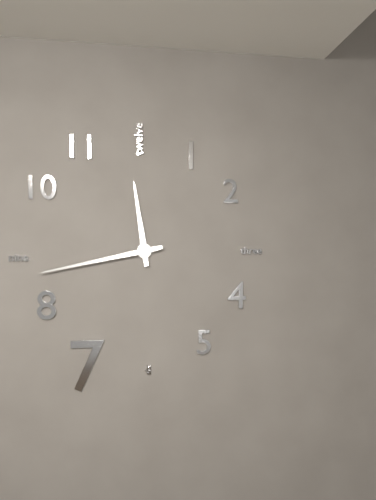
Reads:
{"hour": 11, "minute": 43}
